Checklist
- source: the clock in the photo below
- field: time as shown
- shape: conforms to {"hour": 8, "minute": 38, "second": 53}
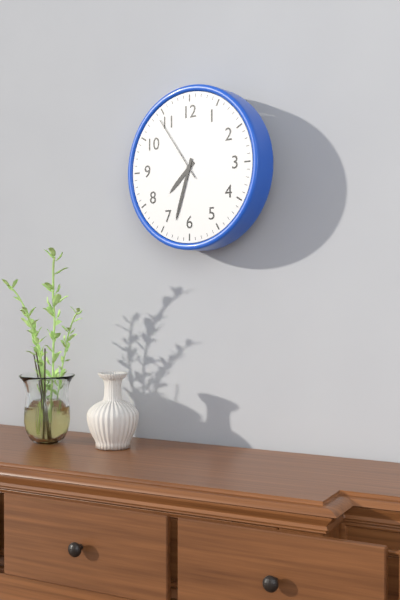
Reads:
{"hour": 7, "minute": 33, "second": 54}
